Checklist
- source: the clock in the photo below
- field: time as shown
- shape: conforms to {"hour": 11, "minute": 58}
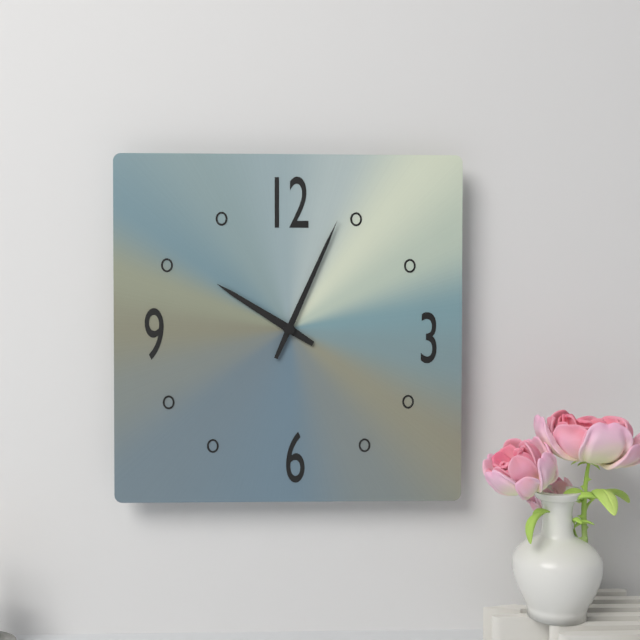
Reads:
{"hour": 10, "minute": 4}
